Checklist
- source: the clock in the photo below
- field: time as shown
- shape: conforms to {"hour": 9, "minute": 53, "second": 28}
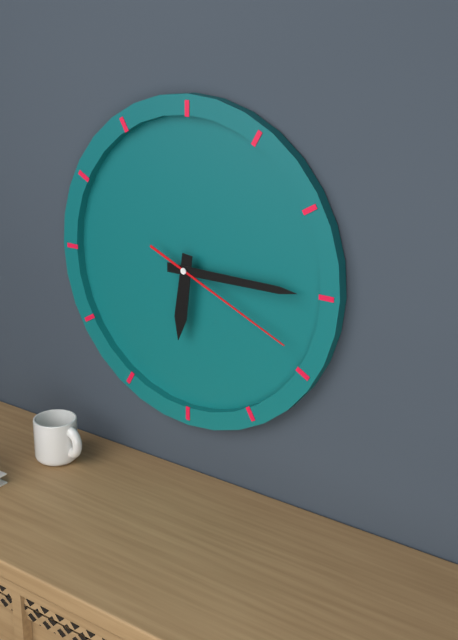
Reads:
{"hour": 6, "minute": 15, "second": 19}
